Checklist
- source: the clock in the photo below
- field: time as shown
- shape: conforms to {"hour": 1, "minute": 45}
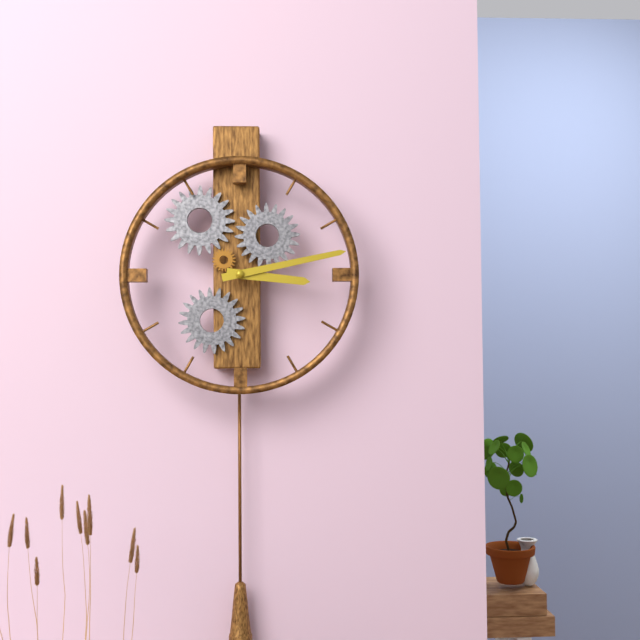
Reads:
{"hour": 3, "minute": 13}
